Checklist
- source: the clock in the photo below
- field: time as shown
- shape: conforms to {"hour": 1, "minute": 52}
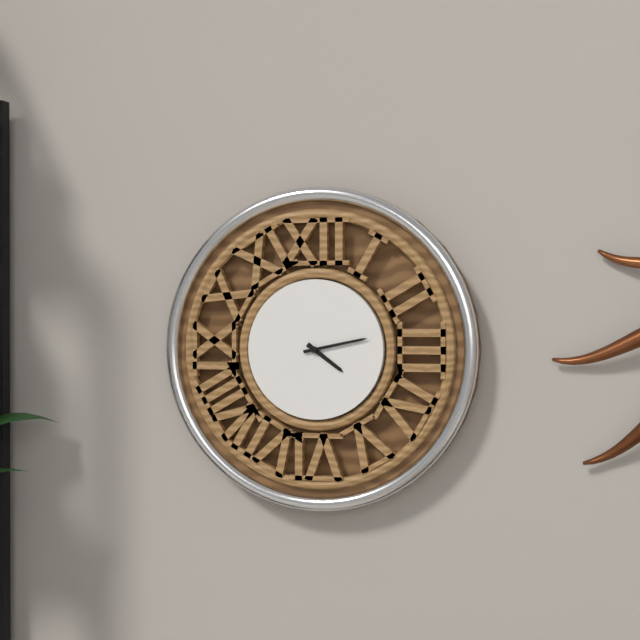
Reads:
{"hour": 4, "minute": 13}
